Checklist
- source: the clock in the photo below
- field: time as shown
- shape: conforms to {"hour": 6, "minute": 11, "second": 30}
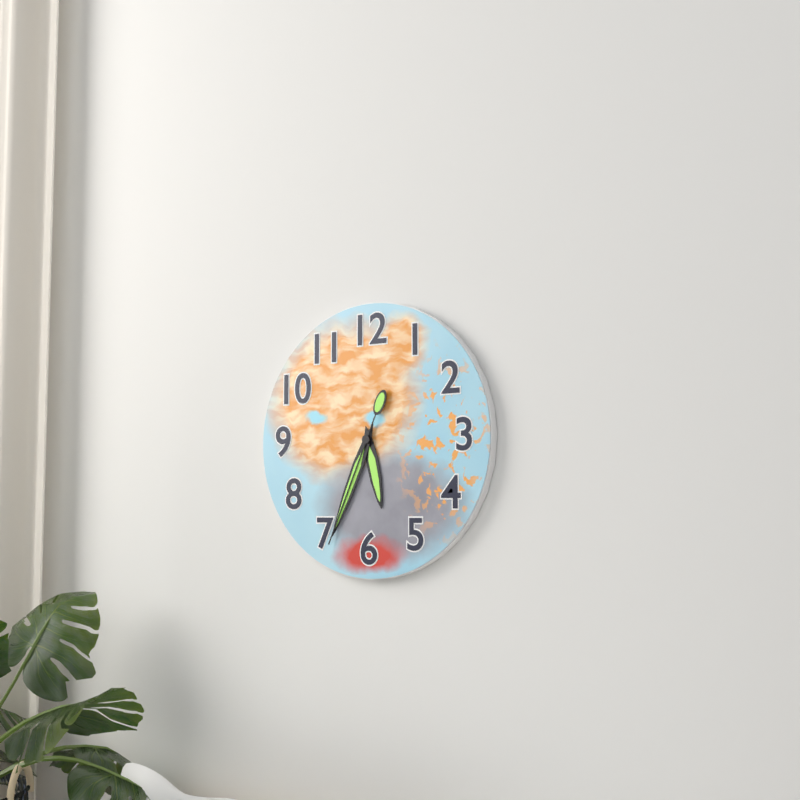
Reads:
{"hour": 5, "minute": 34, "second": 34}
